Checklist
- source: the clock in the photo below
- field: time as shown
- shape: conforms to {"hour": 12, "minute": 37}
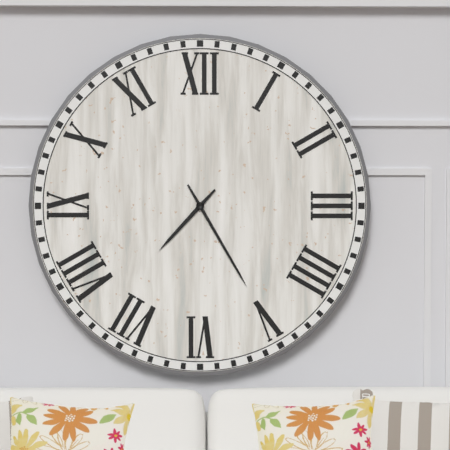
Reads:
{"hour": 7, "minute": 25}
